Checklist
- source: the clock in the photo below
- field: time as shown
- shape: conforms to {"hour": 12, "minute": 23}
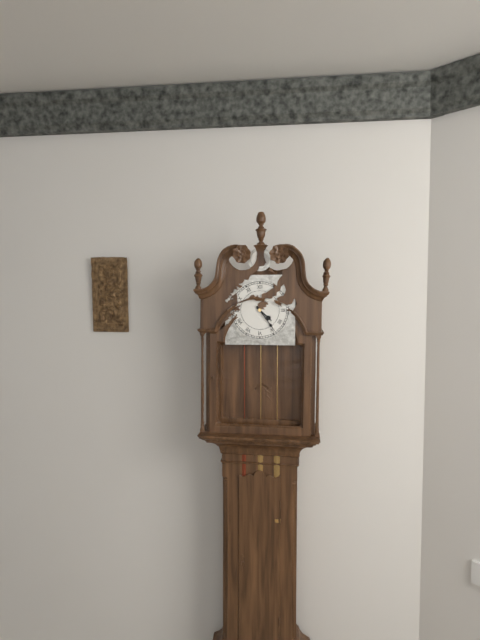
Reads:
{"hour": 4, "minute": 24}
